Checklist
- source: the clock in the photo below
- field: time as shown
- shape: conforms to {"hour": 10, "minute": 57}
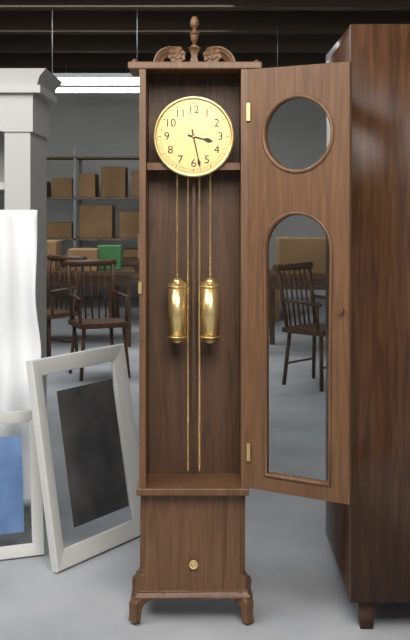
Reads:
{"hour": 3, "minute": 28}
